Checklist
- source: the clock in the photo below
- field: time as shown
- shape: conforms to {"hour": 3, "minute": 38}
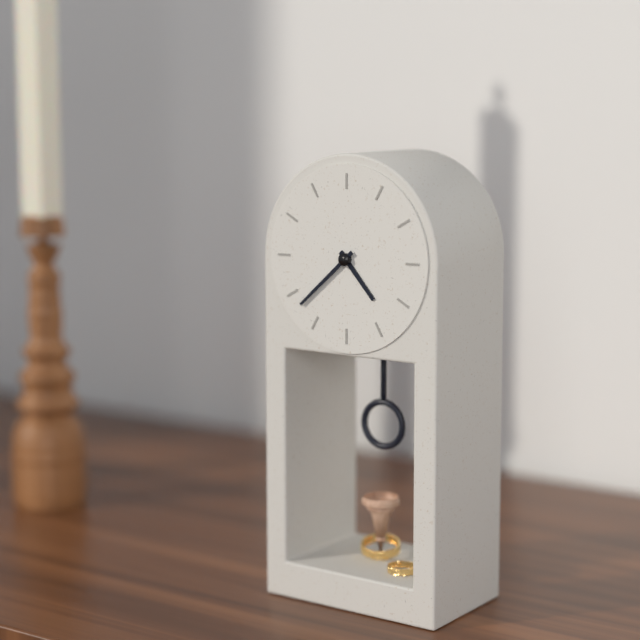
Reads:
{"hour": 4, "minute": 38}
